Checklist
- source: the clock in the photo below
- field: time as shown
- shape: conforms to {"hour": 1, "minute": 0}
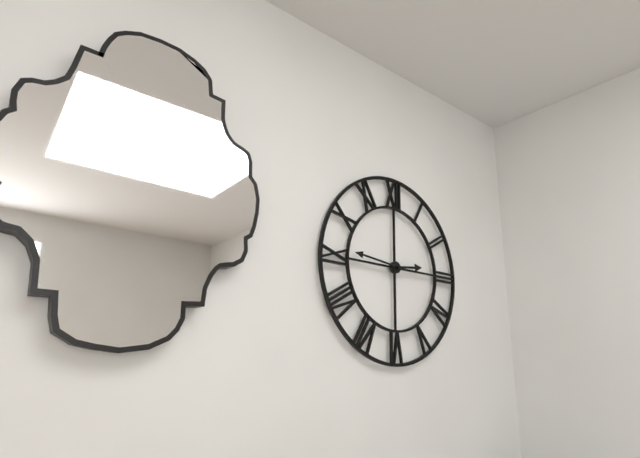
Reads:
{"hour": 2, "minute": 46}
